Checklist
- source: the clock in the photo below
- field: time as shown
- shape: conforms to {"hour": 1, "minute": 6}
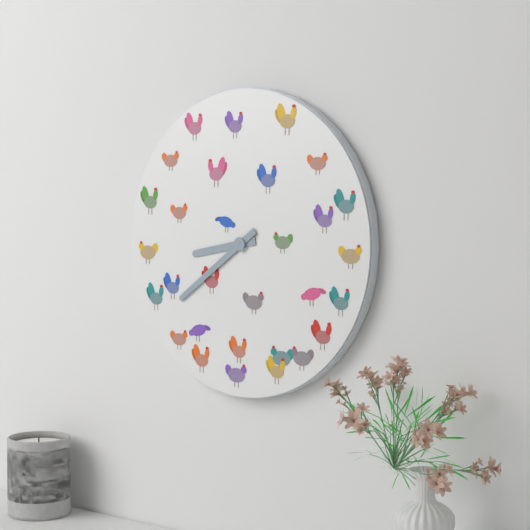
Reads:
{"hour": 8, "minute": 39}
